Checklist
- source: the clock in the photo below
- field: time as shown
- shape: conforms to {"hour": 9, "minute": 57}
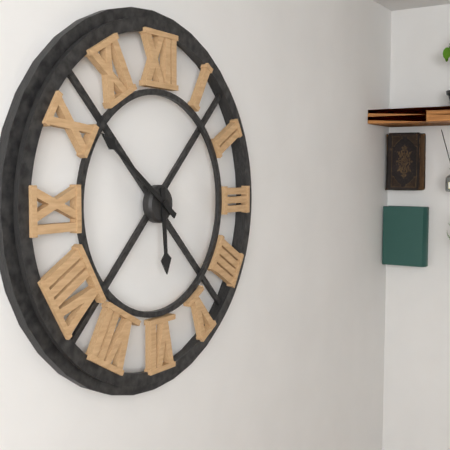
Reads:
{"hour": 5, "minute": 51}
